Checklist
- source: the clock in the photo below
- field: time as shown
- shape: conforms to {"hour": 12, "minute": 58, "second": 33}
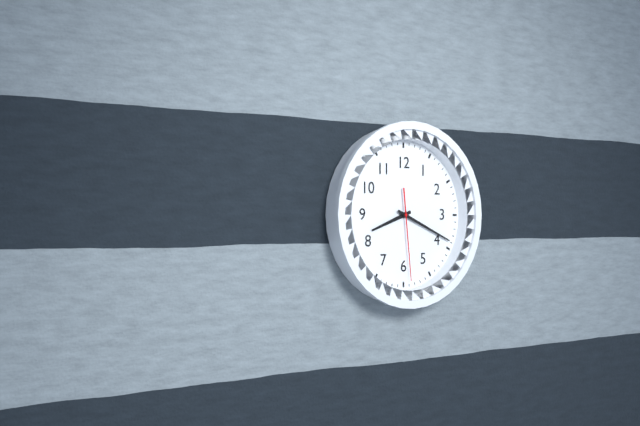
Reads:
{"hour": 8, "minute": 19, "second": 29}
